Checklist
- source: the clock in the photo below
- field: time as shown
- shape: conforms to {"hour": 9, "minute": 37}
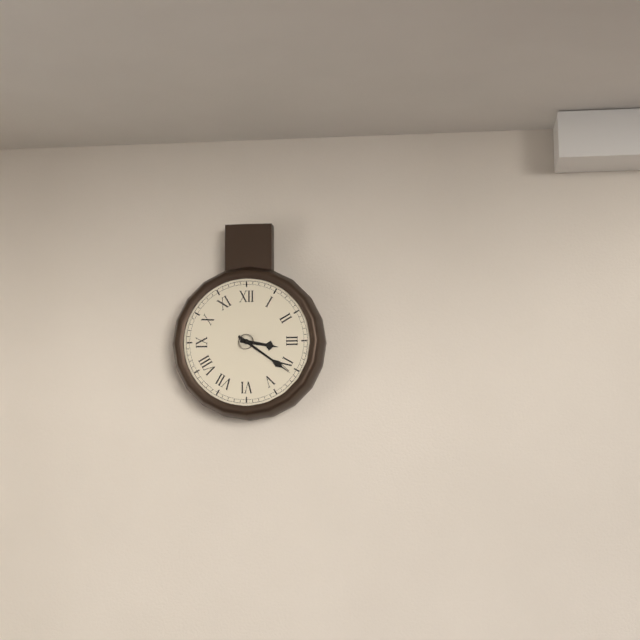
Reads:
{"hour": 3, "minute": 21}
